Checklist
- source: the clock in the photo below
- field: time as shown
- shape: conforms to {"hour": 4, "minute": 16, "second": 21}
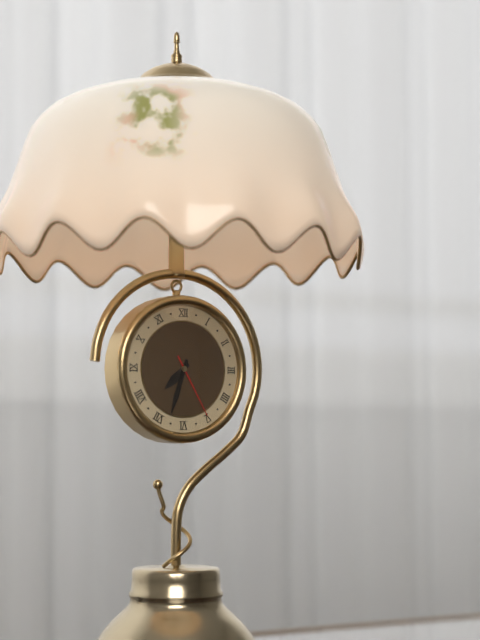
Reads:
{"hour": 7, "minute": 33, "second": 25}
